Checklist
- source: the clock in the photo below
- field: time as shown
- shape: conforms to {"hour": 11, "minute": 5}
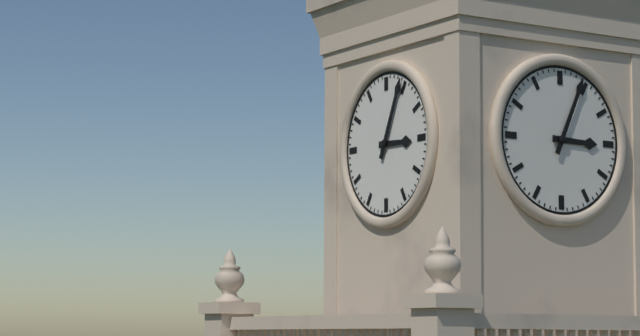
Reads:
{"hour": 3, "minute": 4}
